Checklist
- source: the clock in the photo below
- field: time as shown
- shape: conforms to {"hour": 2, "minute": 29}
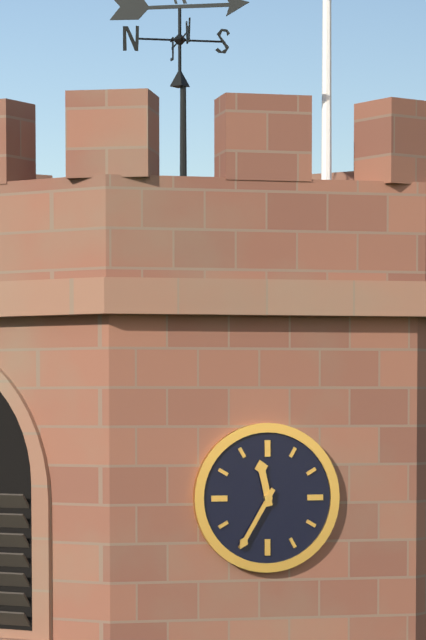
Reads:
{"hour": 11, "minute": 35}
